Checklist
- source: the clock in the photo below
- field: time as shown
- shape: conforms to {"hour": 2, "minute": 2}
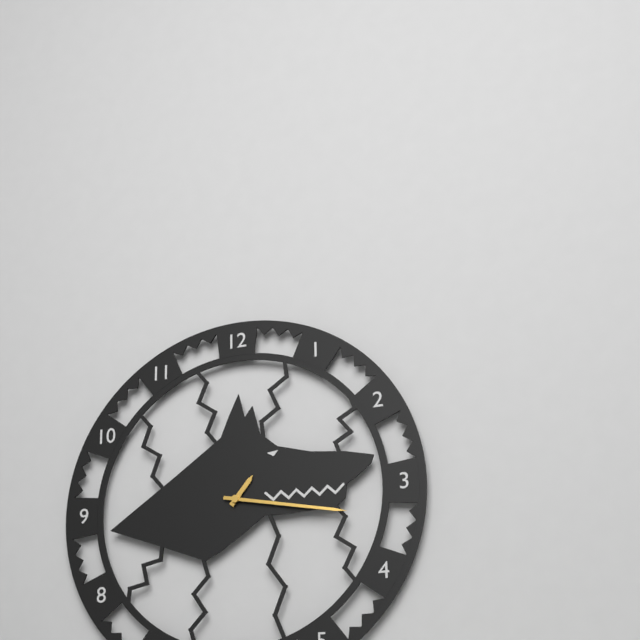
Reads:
{"hour": 1, "minute": 17}
